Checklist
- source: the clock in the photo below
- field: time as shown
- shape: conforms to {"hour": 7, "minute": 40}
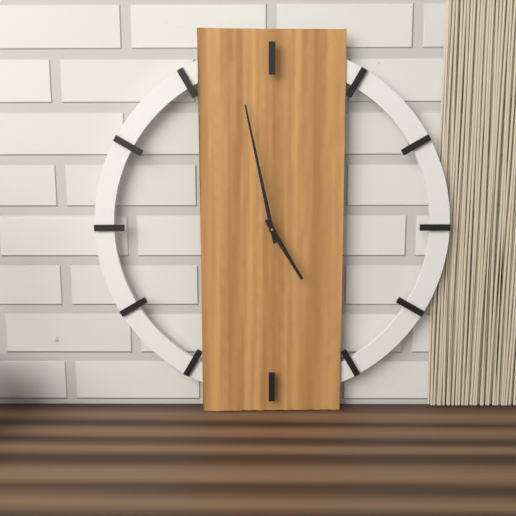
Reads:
{"hour": 4, "minute": 58}
